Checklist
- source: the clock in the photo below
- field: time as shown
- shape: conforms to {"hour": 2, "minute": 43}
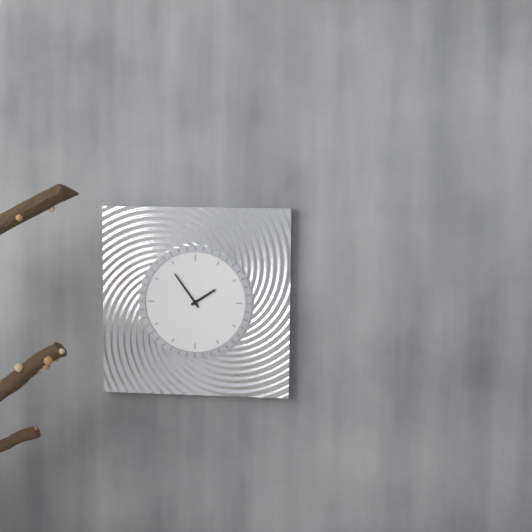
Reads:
{"hour": 1, "minute": 54}
